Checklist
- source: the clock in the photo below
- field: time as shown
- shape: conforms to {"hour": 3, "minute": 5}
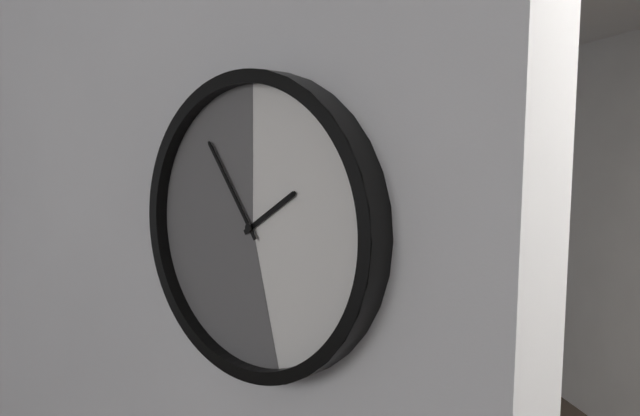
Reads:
{"hour": 1, "minute": 54}
